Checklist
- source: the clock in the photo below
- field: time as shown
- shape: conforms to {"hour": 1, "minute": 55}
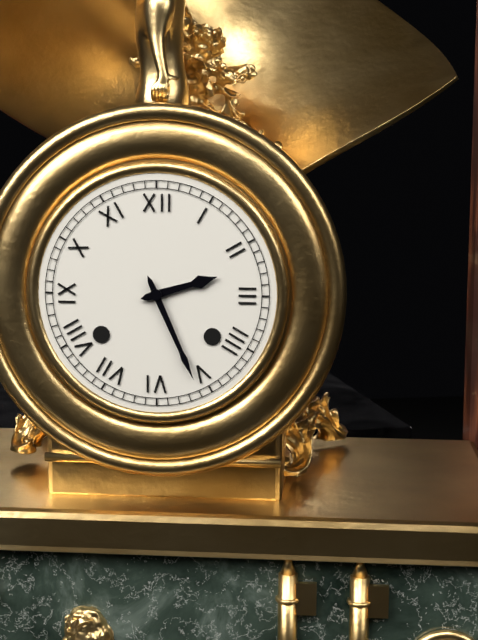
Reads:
{"hour": 2, "minute": 26}
